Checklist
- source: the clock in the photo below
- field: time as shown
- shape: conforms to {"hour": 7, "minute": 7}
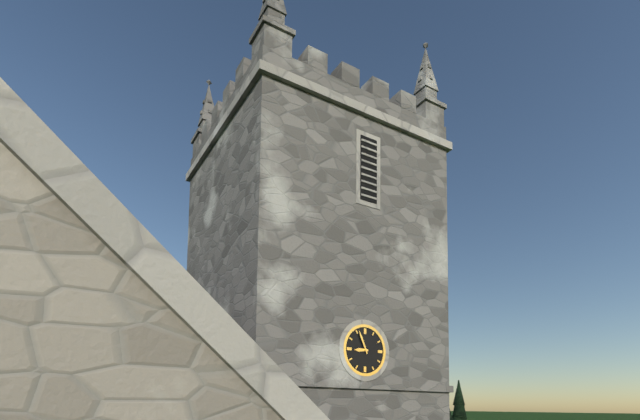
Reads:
{"hour": 8, "minute": 56}
